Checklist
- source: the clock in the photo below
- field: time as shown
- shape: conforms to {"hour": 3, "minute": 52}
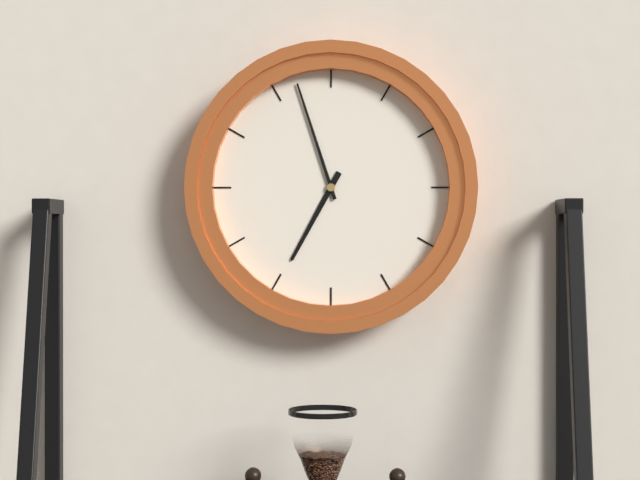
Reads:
{"hour": 6, "minute": 57}
